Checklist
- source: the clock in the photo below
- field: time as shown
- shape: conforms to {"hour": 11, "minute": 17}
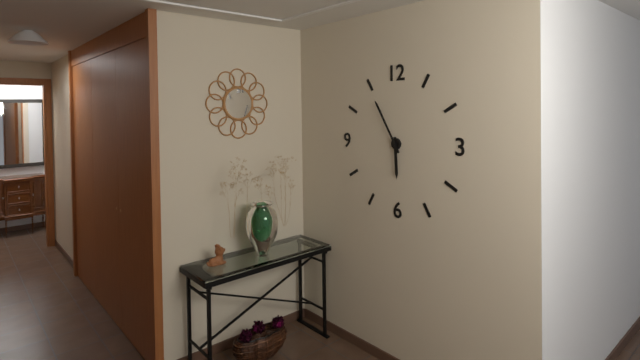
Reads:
{"hour": 5, "minute": 55}
